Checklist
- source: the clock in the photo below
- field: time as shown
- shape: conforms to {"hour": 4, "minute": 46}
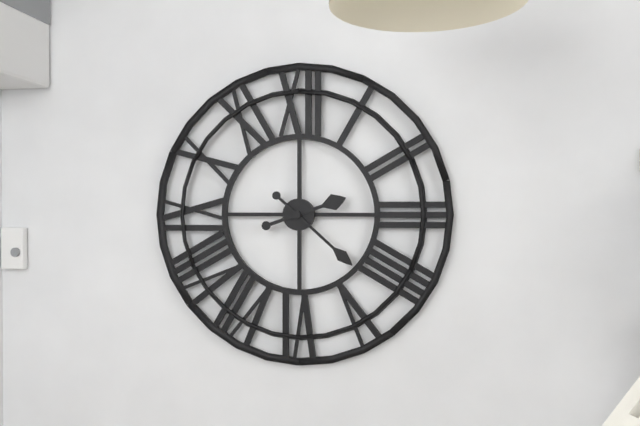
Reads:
{"hour": 2, "minute": 22}
